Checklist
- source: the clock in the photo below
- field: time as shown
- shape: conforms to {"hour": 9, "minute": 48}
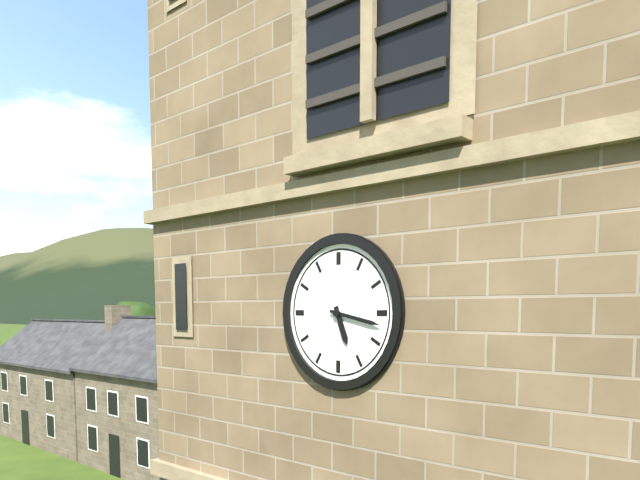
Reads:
{"hour": 5, "minute": 17}
